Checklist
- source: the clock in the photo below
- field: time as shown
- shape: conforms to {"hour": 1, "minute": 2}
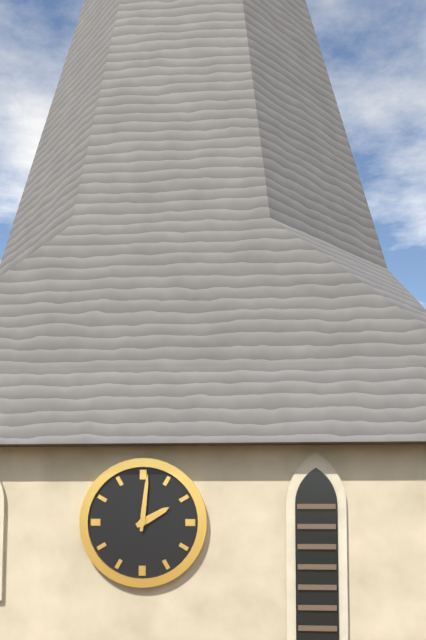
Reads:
{"hour": 2, "minute": 1}
